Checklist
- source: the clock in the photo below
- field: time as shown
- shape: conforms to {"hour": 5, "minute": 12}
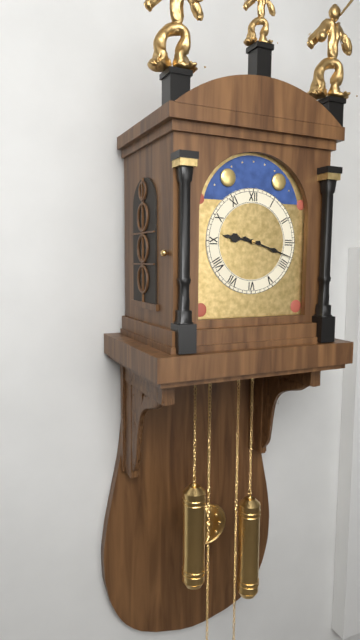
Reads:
{"hour": 9, "minute": 18}
